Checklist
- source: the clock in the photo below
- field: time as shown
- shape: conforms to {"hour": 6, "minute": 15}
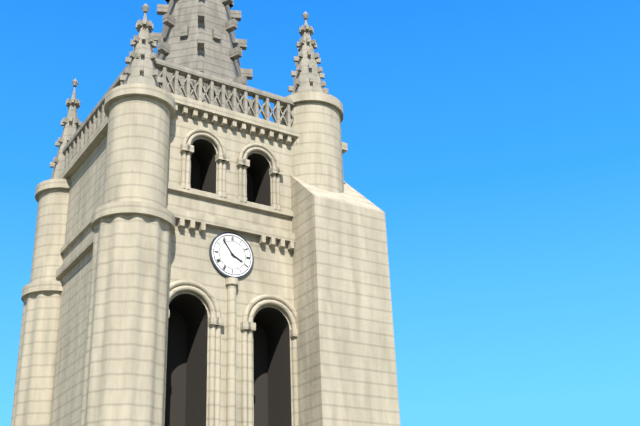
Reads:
{"hour": 3, "minute": 54}
